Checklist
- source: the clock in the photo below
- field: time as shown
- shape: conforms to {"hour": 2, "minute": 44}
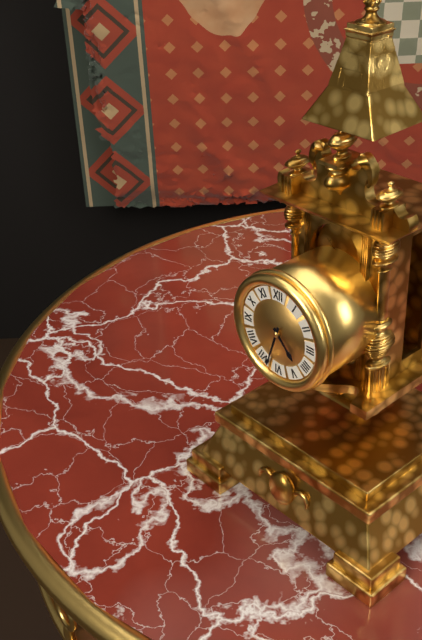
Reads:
{"hour": 4, "minute": 33}
